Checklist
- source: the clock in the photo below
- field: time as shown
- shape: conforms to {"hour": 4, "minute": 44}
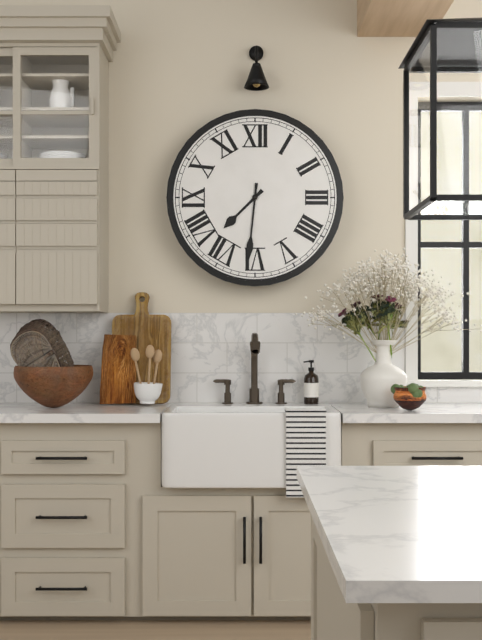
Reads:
{"hour": 7, "minute": 31}
